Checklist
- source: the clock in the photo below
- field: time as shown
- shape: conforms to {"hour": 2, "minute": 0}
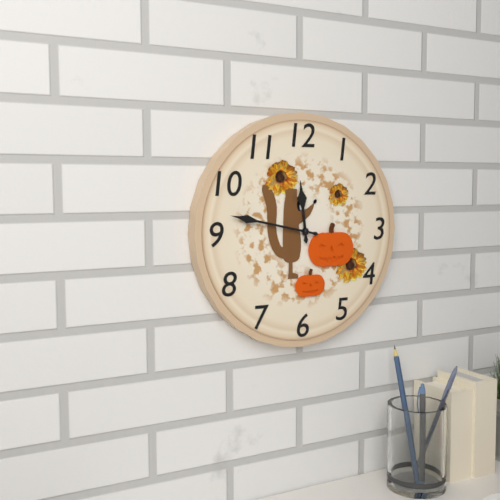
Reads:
{"hour": 11, "minute": 47}
